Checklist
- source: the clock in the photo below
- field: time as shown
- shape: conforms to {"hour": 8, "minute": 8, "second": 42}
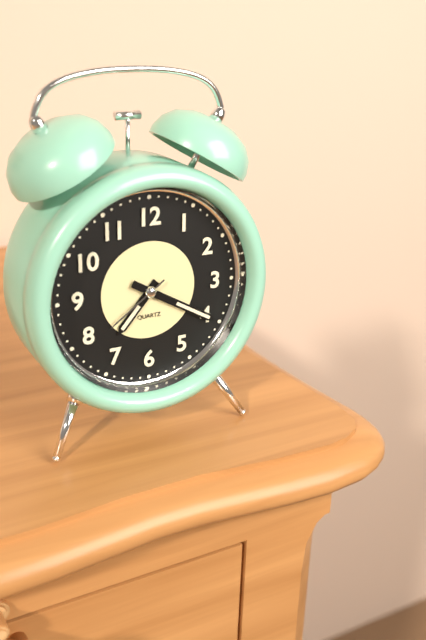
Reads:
{"hour": 7, "minute": 20, "second": 39}
